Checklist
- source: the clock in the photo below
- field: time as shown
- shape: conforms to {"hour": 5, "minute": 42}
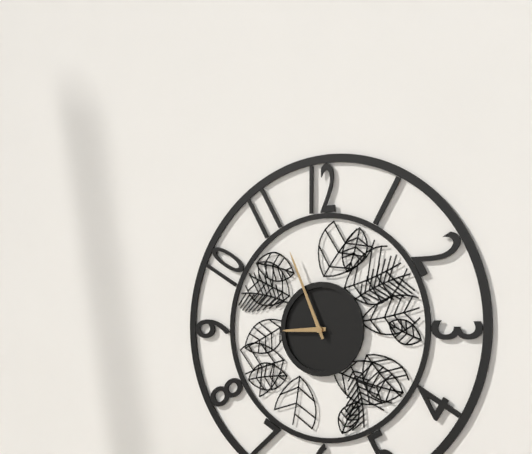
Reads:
{"hour": 8, "minute": 56}
